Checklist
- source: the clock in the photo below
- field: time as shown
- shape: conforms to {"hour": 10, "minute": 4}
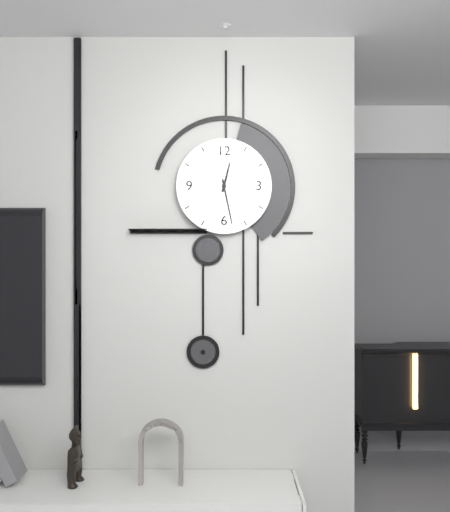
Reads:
{"hour": 12, "minute": 28}
